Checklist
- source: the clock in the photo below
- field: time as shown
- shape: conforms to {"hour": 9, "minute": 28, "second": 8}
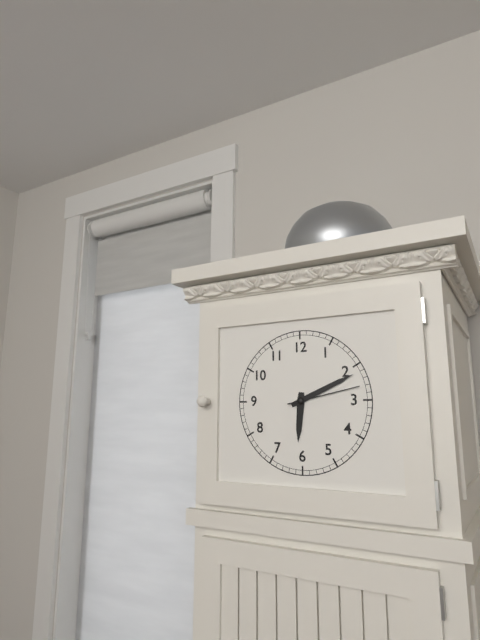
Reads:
{"hour": 6, "minute": 11, "second": 13}
